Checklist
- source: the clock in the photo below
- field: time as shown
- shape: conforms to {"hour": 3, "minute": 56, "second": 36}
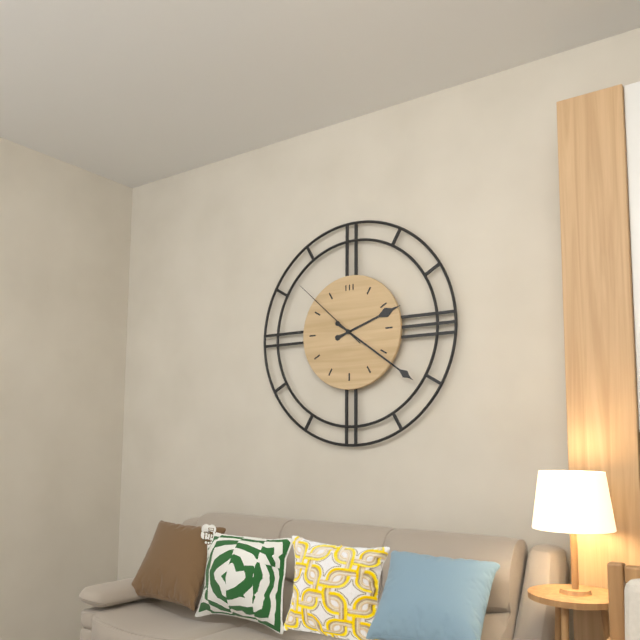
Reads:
{"hour": 2, "minute": 21, "second": 52}
